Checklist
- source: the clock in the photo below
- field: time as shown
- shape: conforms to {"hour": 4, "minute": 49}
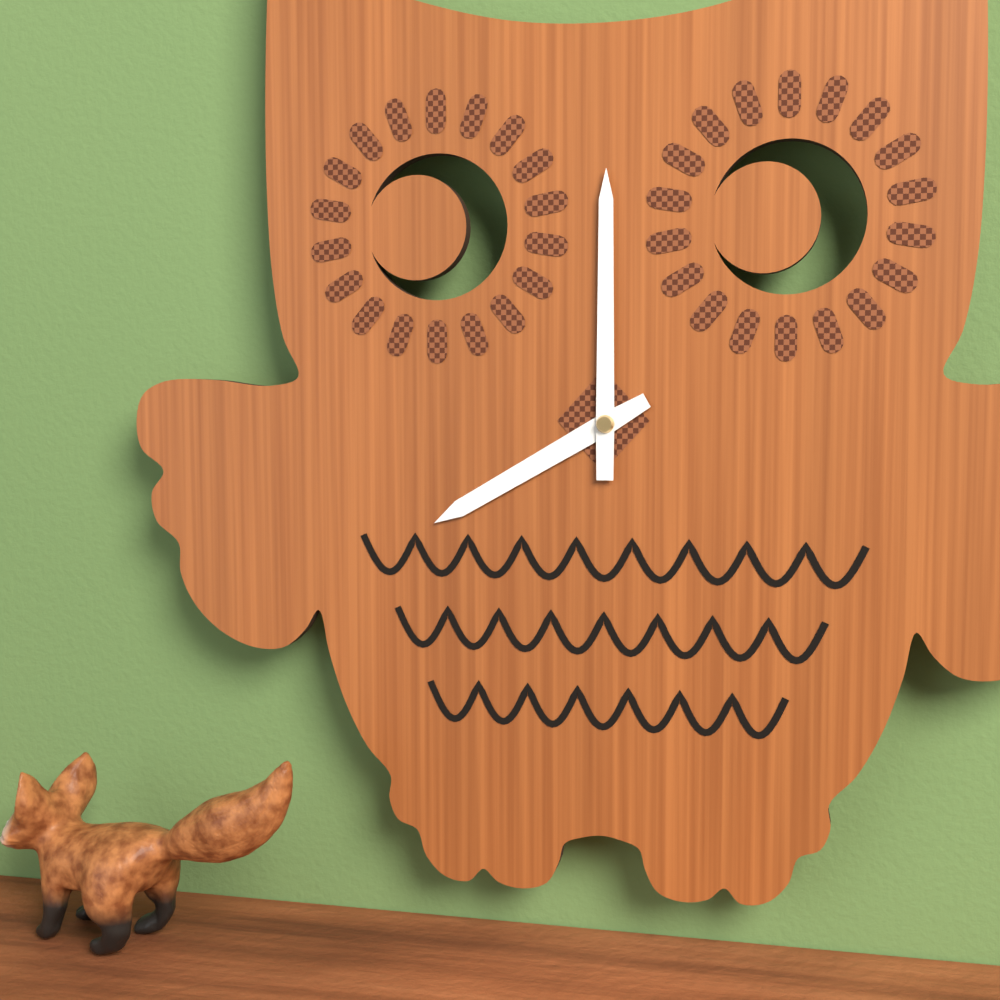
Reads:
{"hour": 8, "minute": 0}
